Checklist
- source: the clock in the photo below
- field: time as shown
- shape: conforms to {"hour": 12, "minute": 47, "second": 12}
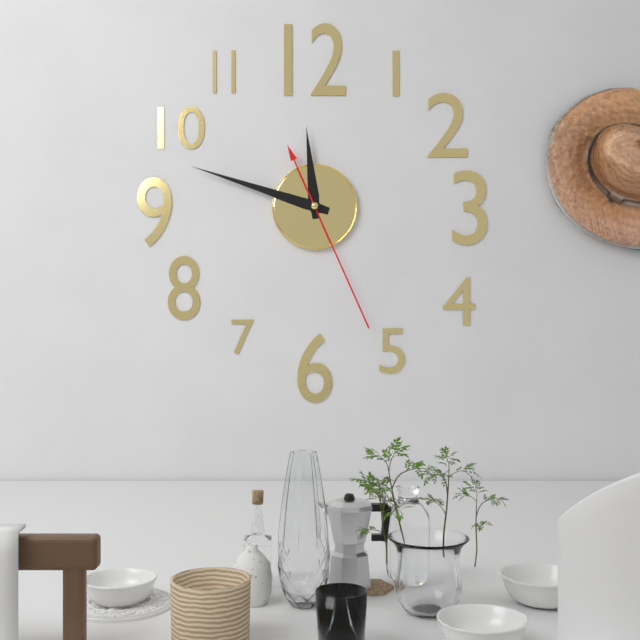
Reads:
{"hour": 11, "minute": 48, "second": 26}
